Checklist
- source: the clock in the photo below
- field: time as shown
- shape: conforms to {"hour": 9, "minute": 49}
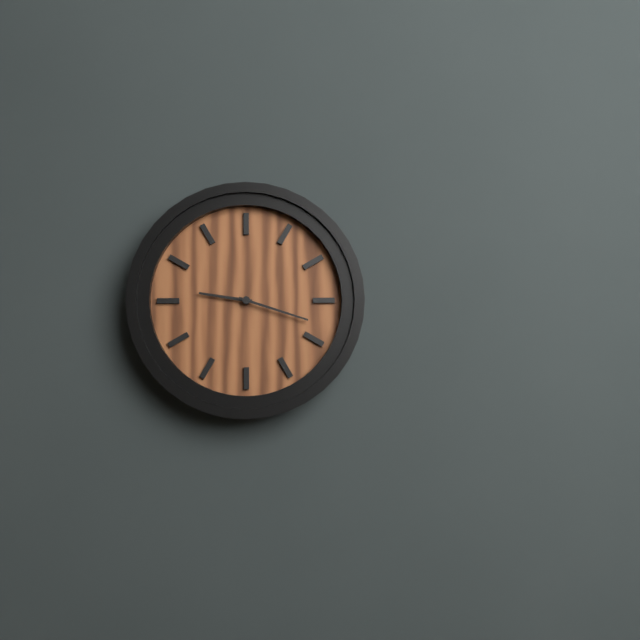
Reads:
{"hour": 9, "minute": 18}
